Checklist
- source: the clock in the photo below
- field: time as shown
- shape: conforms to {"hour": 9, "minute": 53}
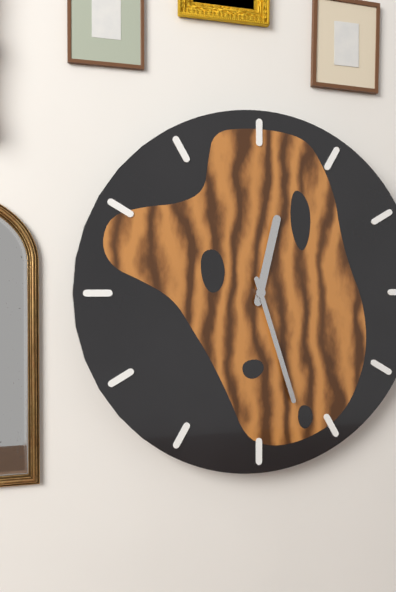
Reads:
{"hour": 12, "minute": 27}
